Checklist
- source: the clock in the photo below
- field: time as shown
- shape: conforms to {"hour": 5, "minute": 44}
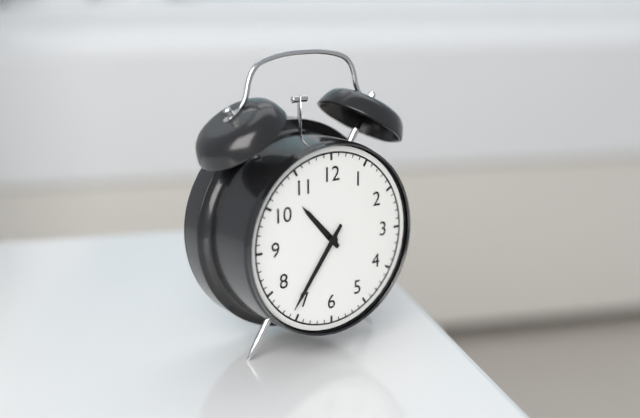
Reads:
{"hour": 10, "minute": 36}
